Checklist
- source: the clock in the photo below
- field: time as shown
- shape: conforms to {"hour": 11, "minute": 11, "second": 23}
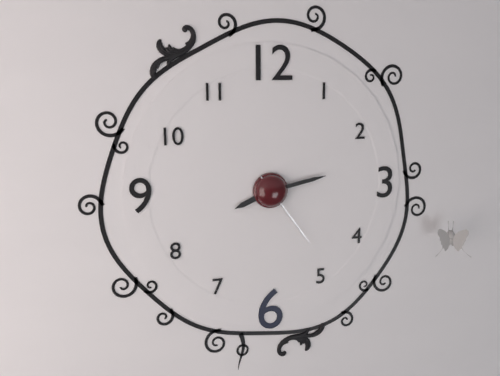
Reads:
{"hour": 8, "minute": 13, "second": 24}
